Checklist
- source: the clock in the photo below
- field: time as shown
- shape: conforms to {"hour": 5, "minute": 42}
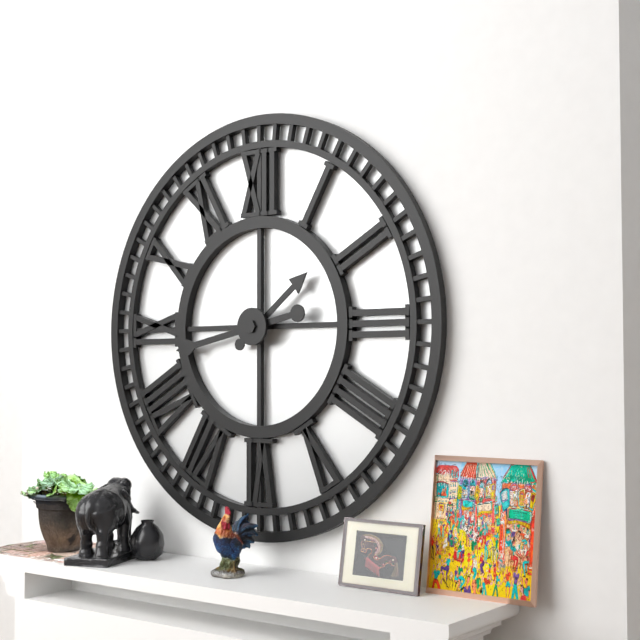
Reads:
{"hour": 1, "minute": 43}
